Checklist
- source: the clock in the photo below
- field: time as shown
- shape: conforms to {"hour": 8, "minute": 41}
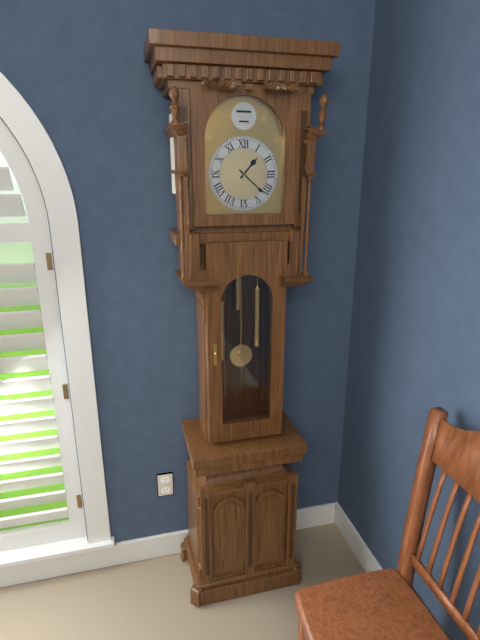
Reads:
{"hour": 1, "minute": 22}
